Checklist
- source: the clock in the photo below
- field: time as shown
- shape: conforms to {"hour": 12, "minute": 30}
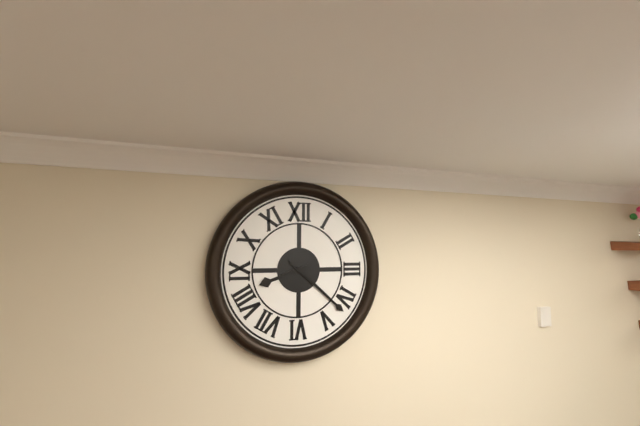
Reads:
{"hour": 8, "minute": 22}
